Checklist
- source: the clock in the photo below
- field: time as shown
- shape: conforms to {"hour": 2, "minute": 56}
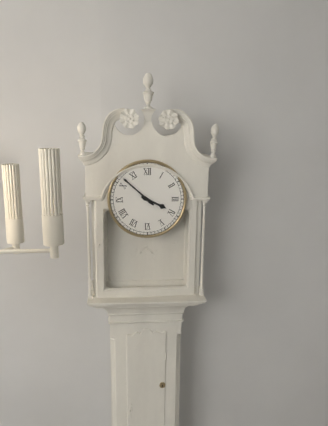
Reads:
{"hour": 3, "minute": 52}
